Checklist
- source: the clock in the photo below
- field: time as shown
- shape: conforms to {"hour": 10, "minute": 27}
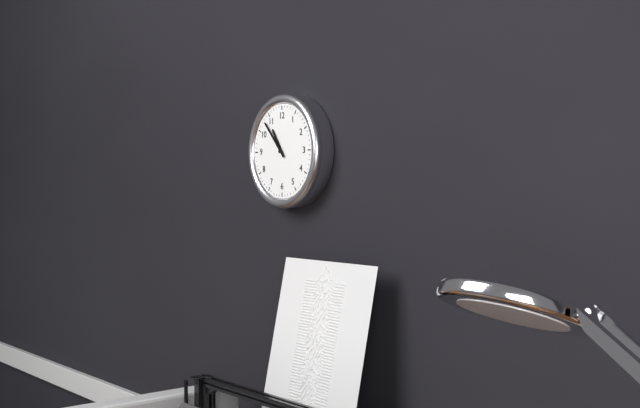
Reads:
{"hour": 10, "minute": 53}
